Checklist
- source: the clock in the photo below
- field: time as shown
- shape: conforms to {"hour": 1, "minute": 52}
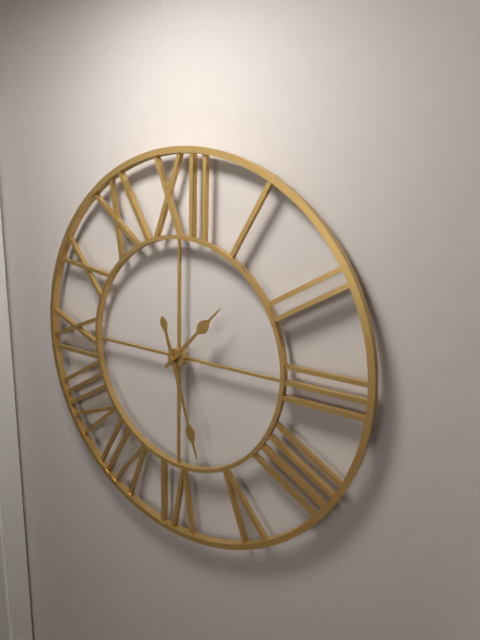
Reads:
{"hour": 1, "minute": 27}
